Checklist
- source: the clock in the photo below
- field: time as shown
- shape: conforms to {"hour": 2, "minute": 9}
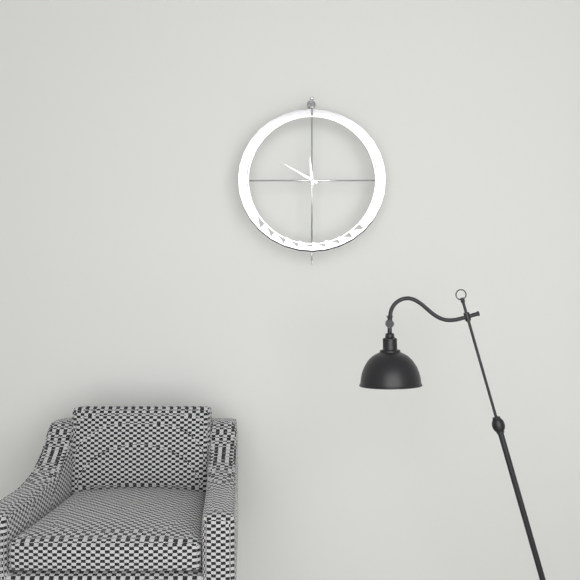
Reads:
{"hour": 11, "minute": 50}
